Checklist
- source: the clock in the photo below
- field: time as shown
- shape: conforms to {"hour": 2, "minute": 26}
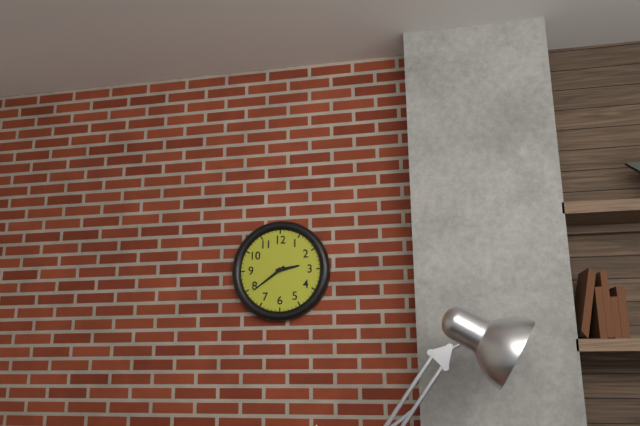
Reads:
{"hour": 2, "minute": 39}
